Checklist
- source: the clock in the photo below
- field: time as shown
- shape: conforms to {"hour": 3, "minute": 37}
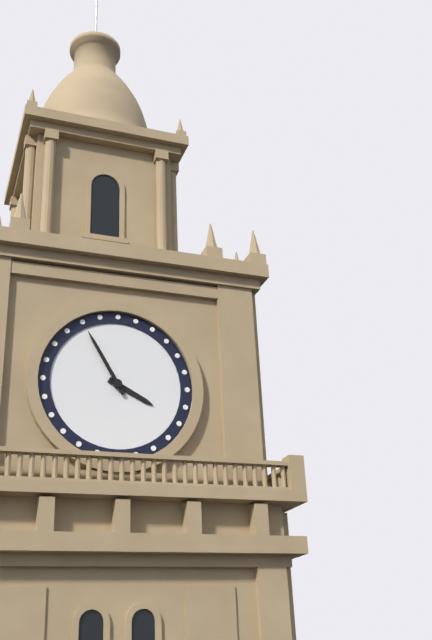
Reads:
{"hour": 3, "minute": 55}
